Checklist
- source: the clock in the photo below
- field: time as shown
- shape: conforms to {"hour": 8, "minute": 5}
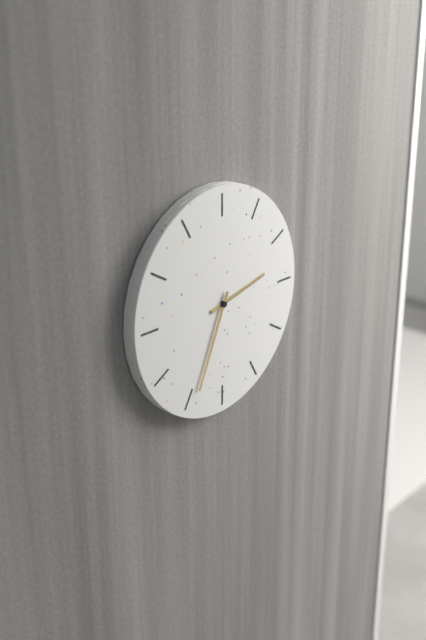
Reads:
{"hour": 2, "minute": 34}
